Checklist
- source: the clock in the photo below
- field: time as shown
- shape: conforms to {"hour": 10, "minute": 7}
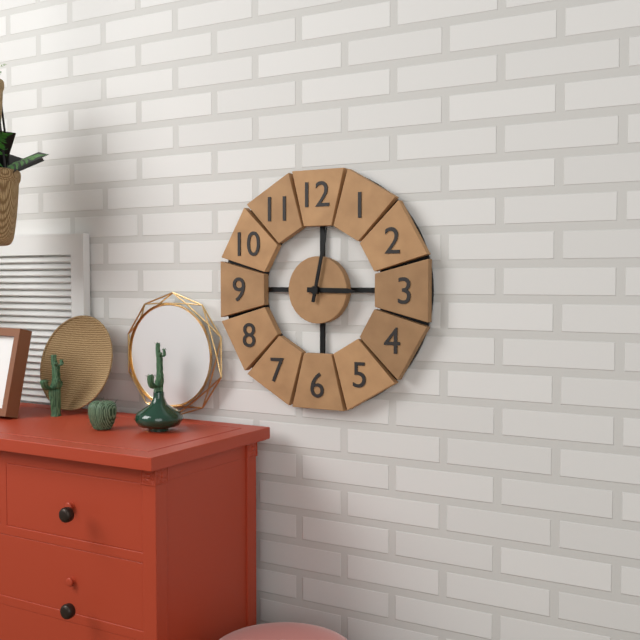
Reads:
{"hour": 3, "minute": 2}
